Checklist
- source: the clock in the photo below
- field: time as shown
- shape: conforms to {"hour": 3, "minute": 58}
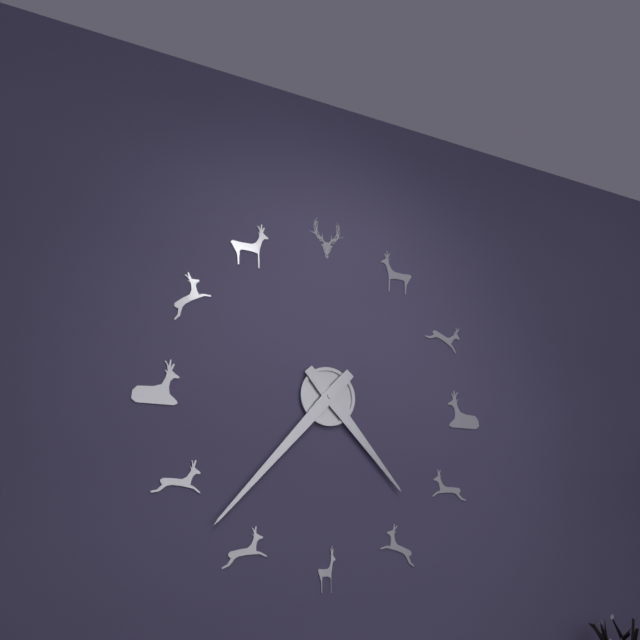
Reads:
{"hour": 4, "minute": 37}
